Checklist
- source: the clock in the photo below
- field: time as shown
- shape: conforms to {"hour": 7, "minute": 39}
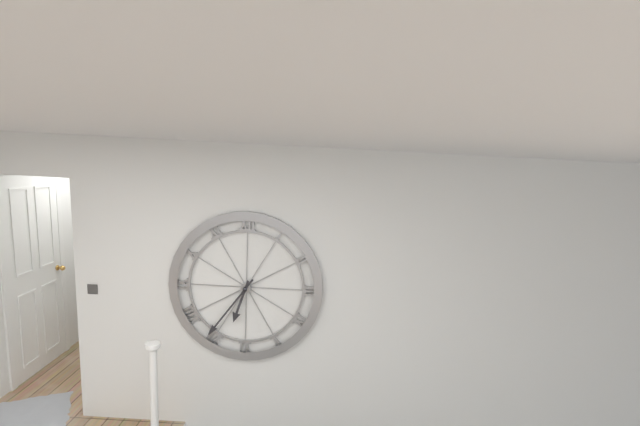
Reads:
{"hour": 6, "minute": 36}
